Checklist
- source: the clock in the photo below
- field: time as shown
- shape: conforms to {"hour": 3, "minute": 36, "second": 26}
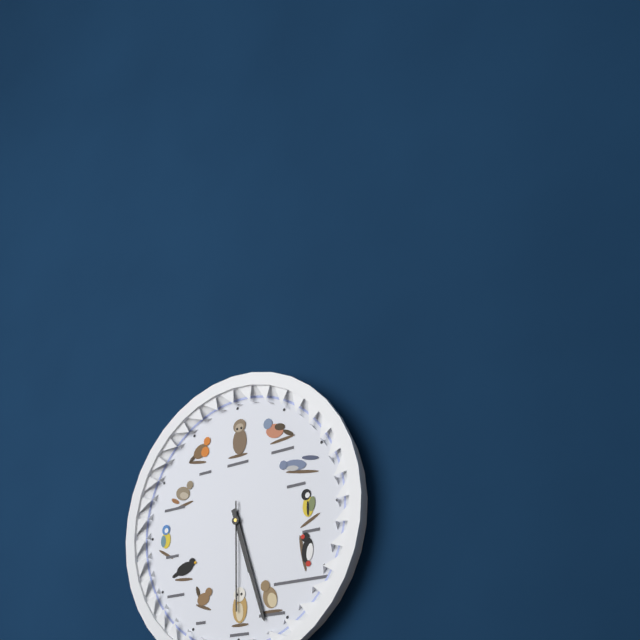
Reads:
{"hour": 5, "minute": 27, "second": 30}
